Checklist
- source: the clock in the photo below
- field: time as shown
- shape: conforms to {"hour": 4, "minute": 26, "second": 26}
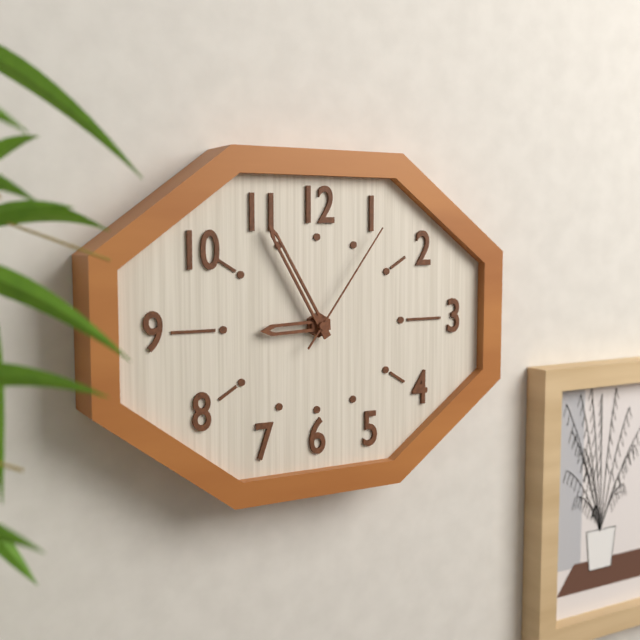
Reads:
{"hour": 8, "minute": 55, "second": 6}
